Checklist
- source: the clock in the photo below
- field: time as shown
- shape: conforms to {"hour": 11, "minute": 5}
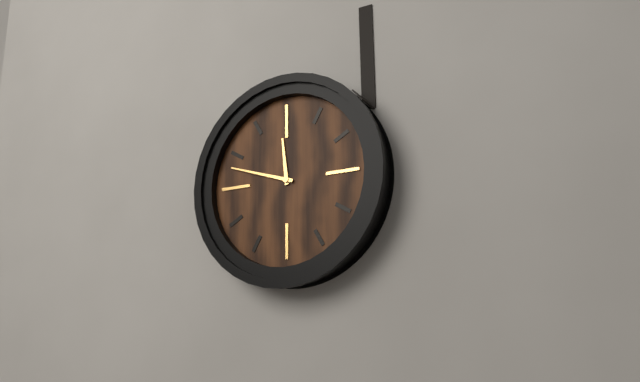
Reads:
{"hour": 11, "minute": 48}
